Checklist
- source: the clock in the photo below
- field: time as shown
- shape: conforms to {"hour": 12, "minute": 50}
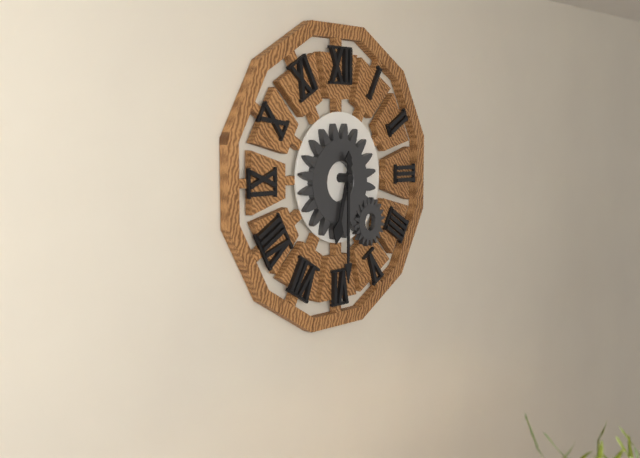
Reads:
{"hour": 6, "minute": 30}
